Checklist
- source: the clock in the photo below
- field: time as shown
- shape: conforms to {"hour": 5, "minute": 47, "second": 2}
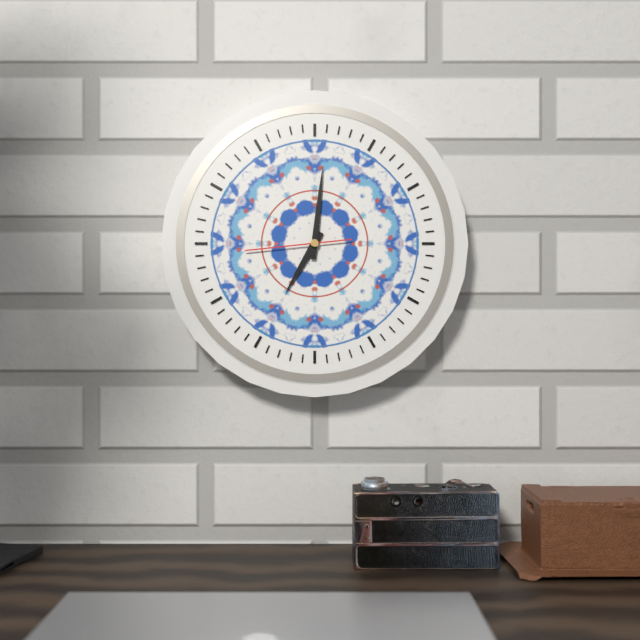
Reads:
{"hour": 7, "minute": 1, "second": 44}
